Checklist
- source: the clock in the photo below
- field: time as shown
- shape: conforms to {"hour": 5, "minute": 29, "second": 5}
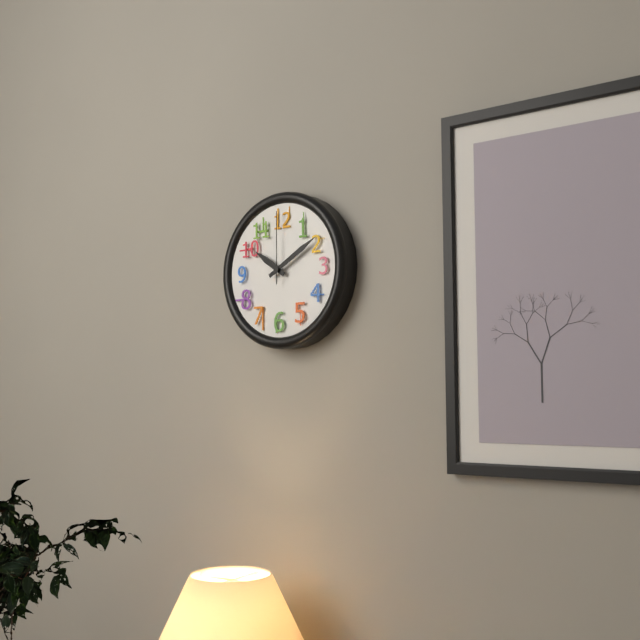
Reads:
{"hour": 10, "minute": 10, "second": 0}
